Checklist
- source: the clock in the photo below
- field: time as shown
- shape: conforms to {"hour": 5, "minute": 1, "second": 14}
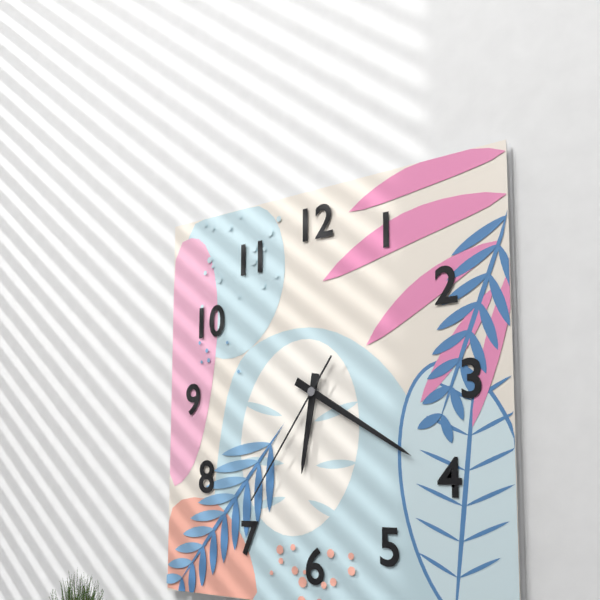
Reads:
{"hour": 6, "minute": 20, "second": 36}
